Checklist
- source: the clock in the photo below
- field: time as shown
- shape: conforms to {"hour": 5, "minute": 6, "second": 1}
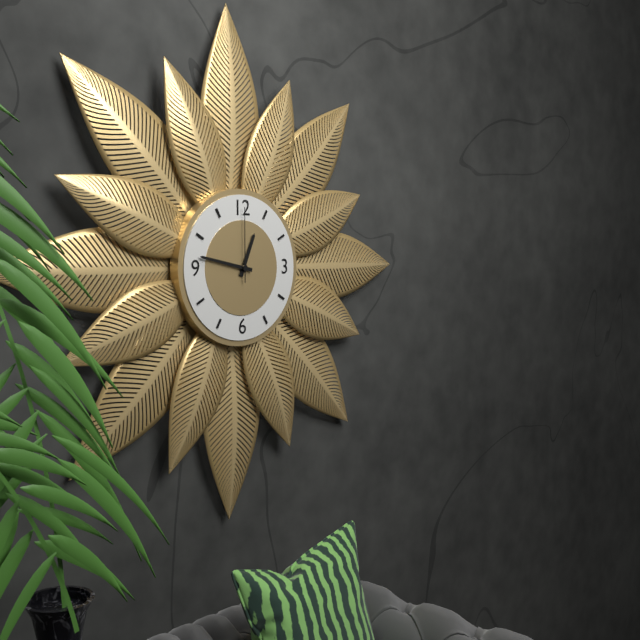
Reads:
{"hour": 12, "minute": 47, "second": 0}
